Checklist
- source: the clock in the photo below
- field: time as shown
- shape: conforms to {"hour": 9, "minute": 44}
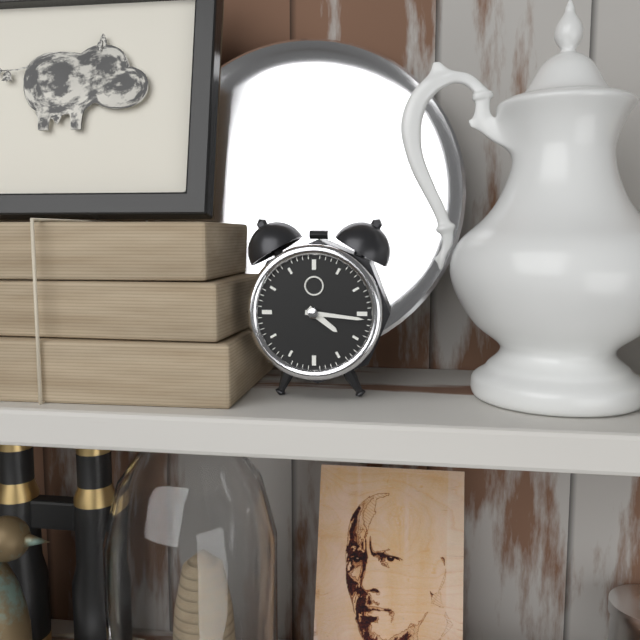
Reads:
{"hour": 4, "minute": 16}
